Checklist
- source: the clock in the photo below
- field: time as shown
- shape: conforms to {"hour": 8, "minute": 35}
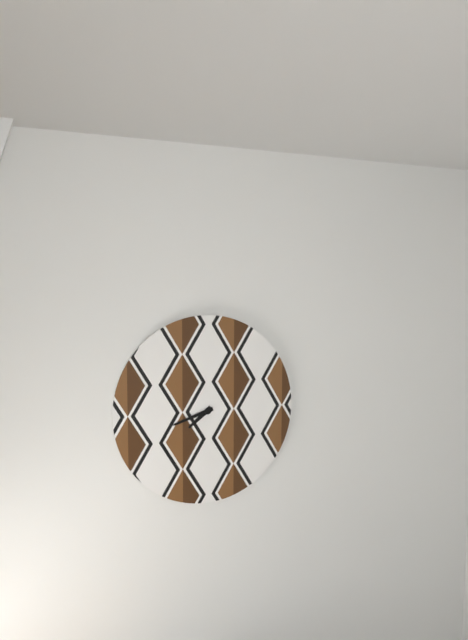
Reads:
{"hour": 7, "minute": 42}
